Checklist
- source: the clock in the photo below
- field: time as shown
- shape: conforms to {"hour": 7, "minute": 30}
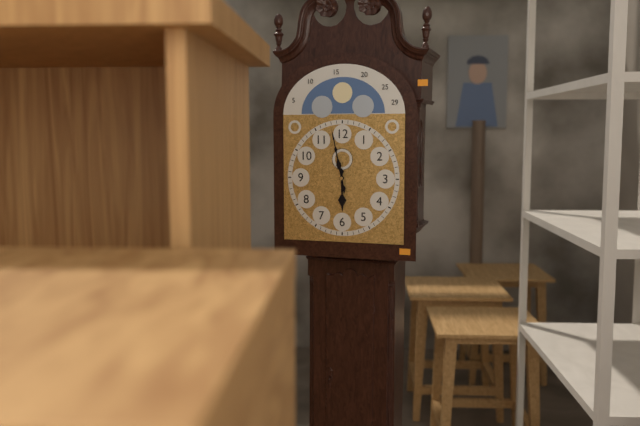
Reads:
{"hour": 5, "minute": 58}
